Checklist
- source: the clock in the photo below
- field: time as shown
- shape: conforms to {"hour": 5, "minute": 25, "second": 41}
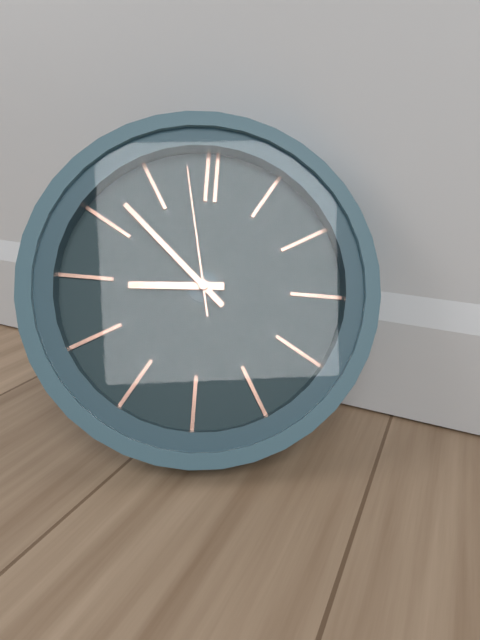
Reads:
{"hour": 8, "minute": 52, "second": 58}
